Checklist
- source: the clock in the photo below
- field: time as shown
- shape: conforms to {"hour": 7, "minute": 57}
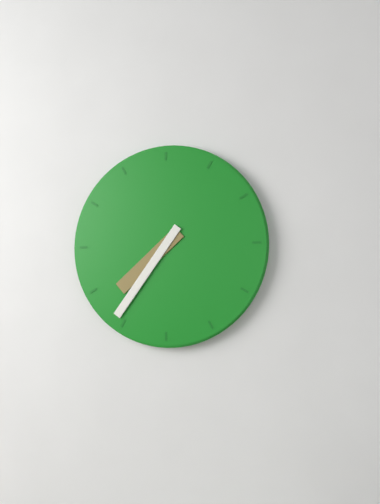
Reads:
{"hour": 7, "minute": 36}
